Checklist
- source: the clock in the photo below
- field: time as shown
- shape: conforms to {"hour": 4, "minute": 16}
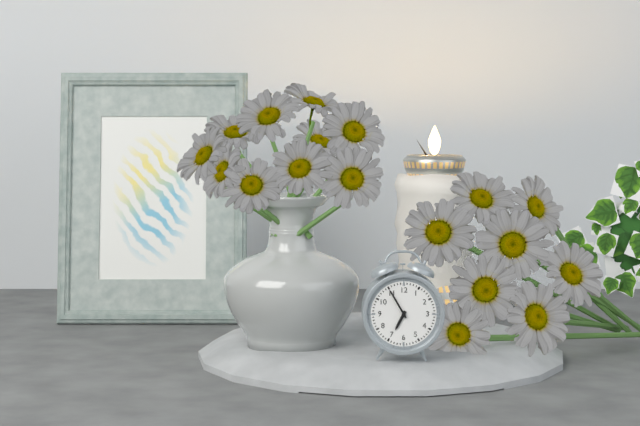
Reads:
{"hour": 6, "minute": 55}
